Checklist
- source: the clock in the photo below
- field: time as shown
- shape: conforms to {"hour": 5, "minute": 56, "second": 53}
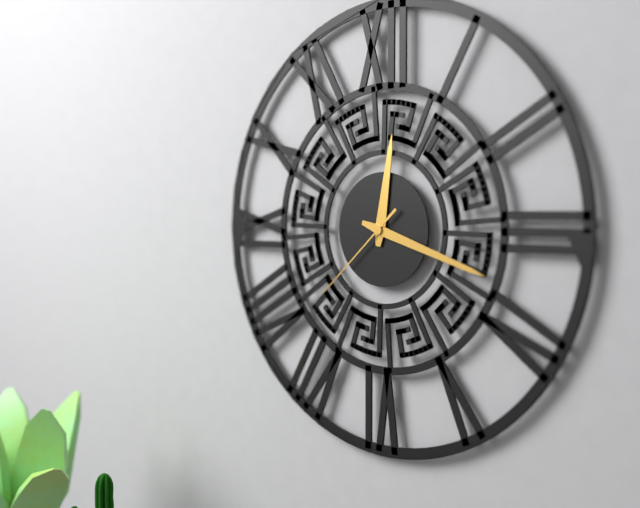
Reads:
{"hour": 12, "minute": 18, "second": 38}
